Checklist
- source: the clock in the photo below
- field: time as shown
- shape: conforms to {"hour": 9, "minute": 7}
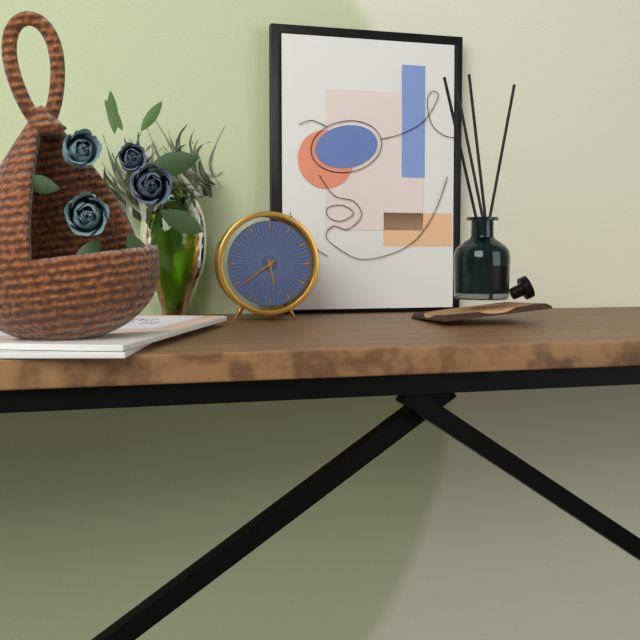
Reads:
{"hour": 5, "minute": 39}
